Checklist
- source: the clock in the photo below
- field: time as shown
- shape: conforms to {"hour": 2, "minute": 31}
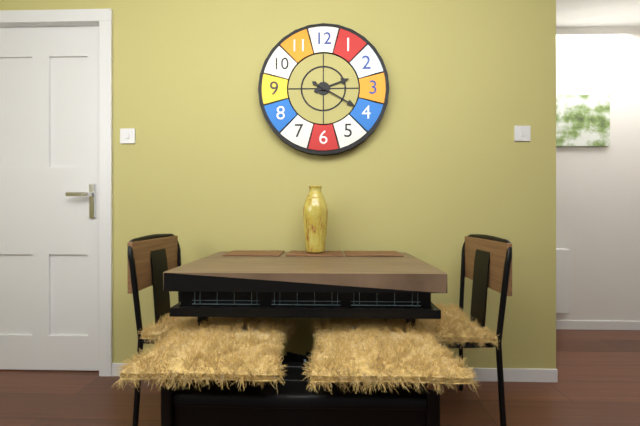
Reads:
{"hour": 2, "minute": 20}
